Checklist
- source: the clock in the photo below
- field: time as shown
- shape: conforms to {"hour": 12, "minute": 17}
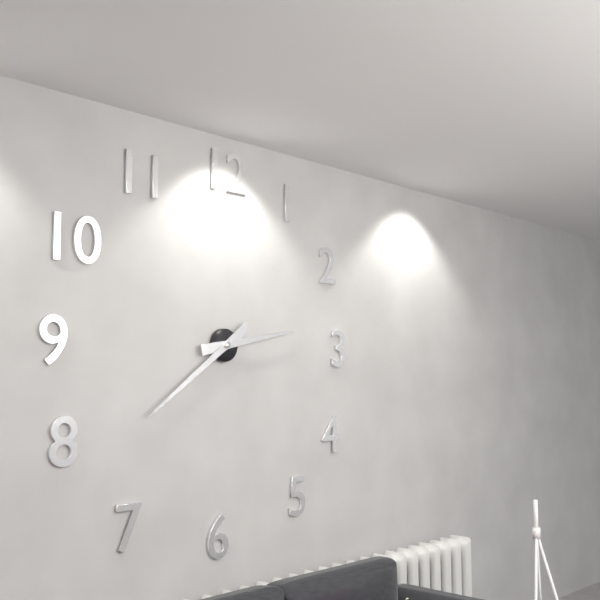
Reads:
{"hour": 2, "minute": 39}
